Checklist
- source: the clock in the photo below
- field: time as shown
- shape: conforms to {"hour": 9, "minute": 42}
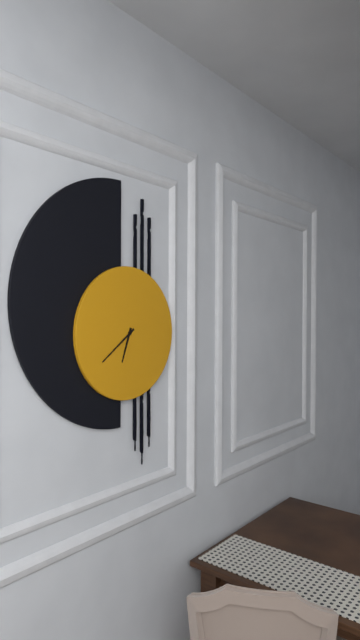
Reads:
{"hour": 6, "minute": 39}
